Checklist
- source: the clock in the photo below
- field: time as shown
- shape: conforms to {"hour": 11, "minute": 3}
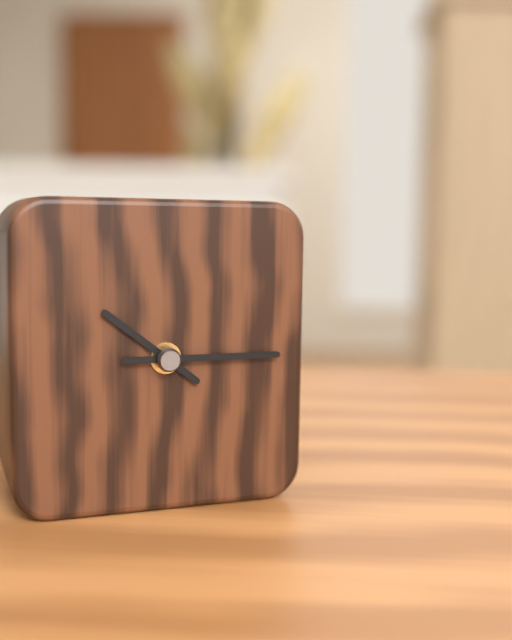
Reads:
{"hour": 10, "minute": 15}
